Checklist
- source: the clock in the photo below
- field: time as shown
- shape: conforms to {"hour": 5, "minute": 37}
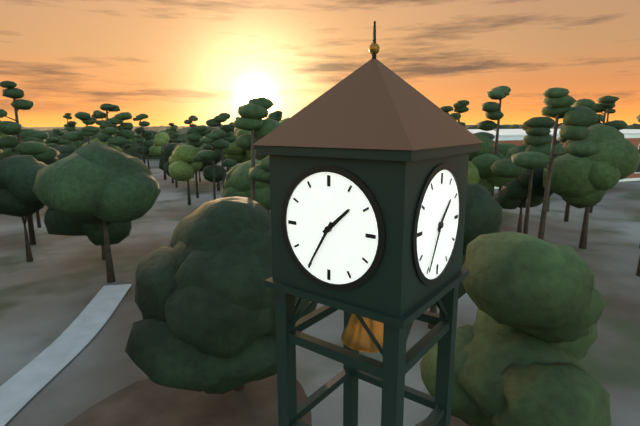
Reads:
{"hour": 1, "minute": 35}
